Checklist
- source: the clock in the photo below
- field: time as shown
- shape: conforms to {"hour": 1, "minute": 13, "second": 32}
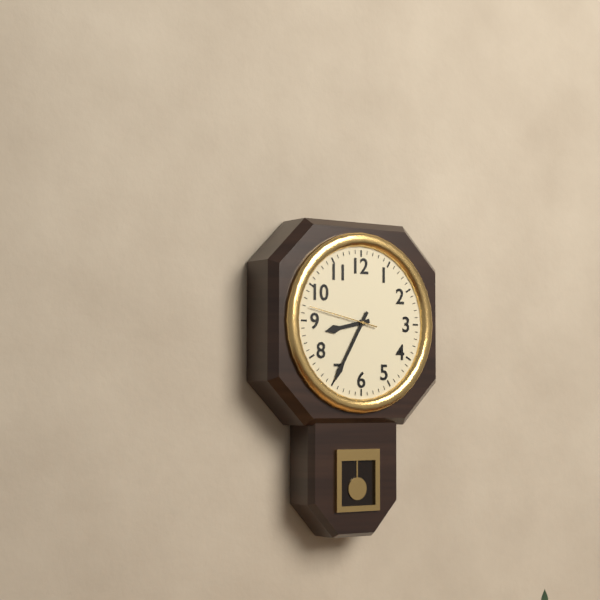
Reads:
{"hour": 8, "minute": 35, "second": 47}
